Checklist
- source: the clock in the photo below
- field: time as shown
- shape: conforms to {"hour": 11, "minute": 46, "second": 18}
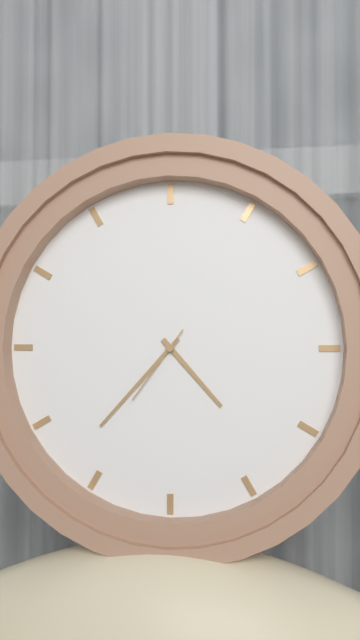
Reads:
{"hour": 4, "minute": 37, "second": 36}
